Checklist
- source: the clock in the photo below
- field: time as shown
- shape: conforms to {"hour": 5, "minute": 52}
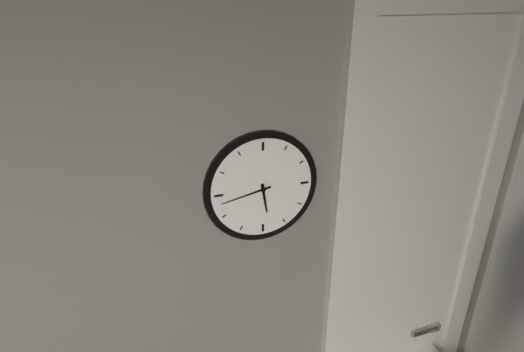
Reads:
{"hour": 5, "minute": 43}
